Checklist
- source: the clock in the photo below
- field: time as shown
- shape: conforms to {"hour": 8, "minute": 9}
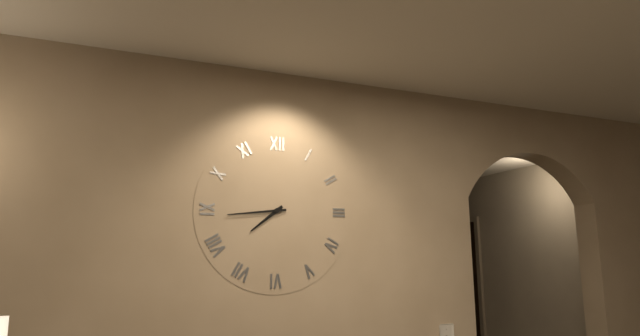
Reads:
{"hour": 7, "minute": 44}
